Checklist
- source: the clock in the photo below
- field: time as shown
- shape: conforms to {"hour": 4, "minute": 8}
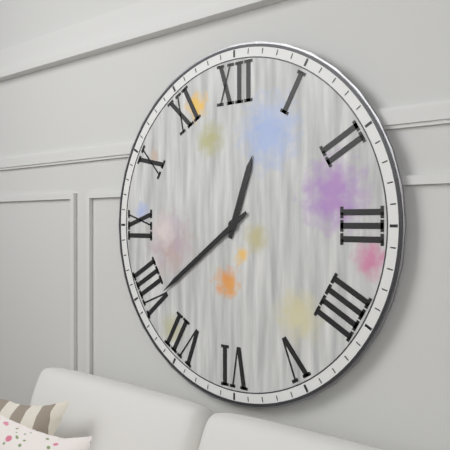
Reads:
{"hour": 12, "minute": 39}
